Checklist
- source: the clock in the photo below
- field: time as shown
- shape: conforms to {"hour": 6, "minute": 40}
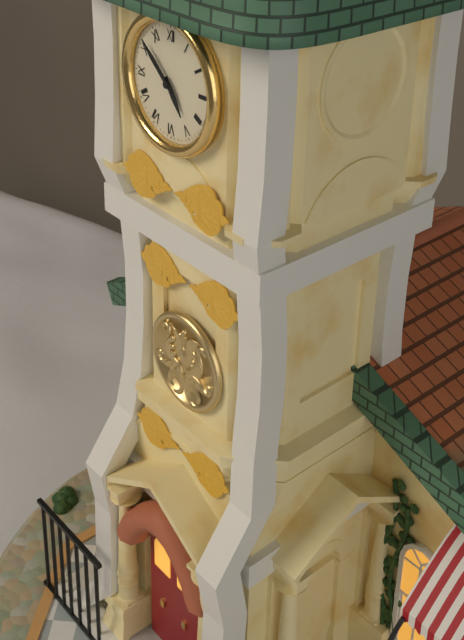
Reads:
{"hour": 4, "minute": 52}
